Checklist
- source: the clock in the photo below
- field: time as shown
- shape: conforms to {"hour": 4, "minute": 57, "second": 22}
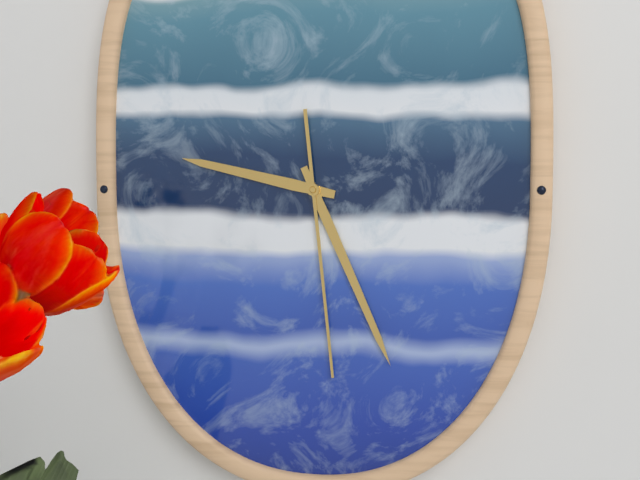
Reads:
{"hour": 9, "minute": 26, "second": 29}
